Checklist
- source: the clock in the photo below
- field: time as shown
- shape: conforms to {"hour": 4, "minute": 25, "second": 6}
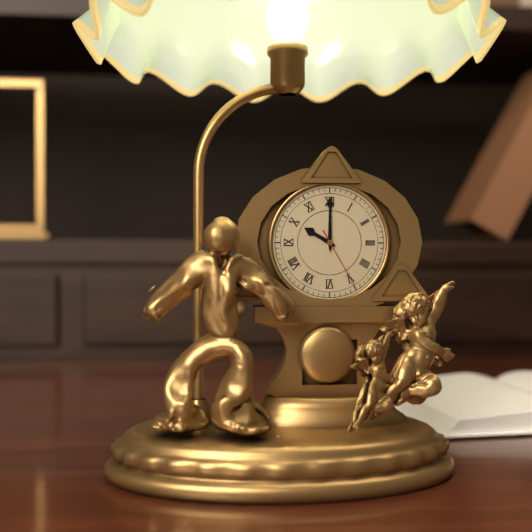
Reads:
{"hour": 10, "minute": 0, "second": 25}
